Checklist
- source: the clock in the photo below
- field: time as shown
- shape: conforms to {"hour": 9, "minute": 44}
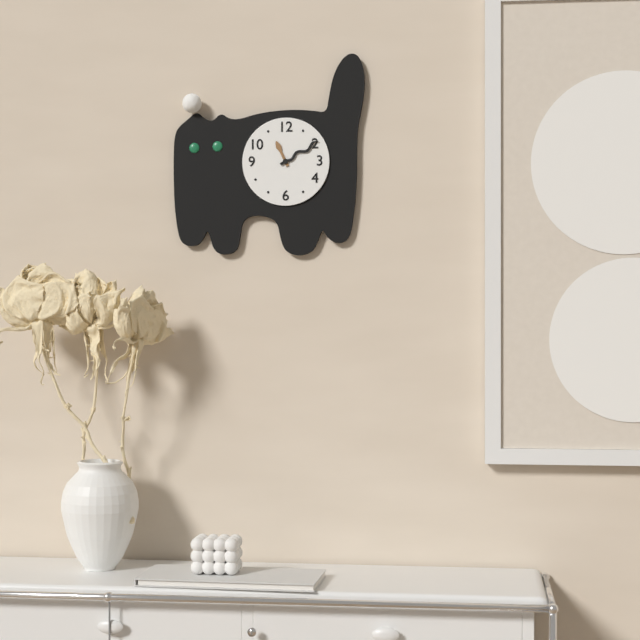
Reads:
{"hour": 11, "minute": 10}
